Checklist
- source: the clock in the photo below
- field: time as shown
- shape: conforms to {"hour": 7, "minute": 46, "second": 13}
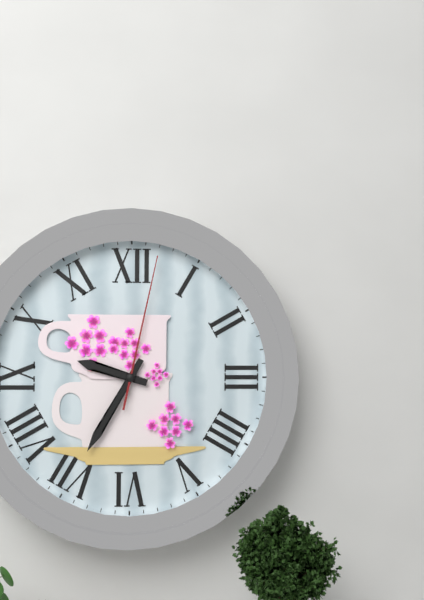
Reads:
{"hour": 9, "minute": 35, "second": 2}
